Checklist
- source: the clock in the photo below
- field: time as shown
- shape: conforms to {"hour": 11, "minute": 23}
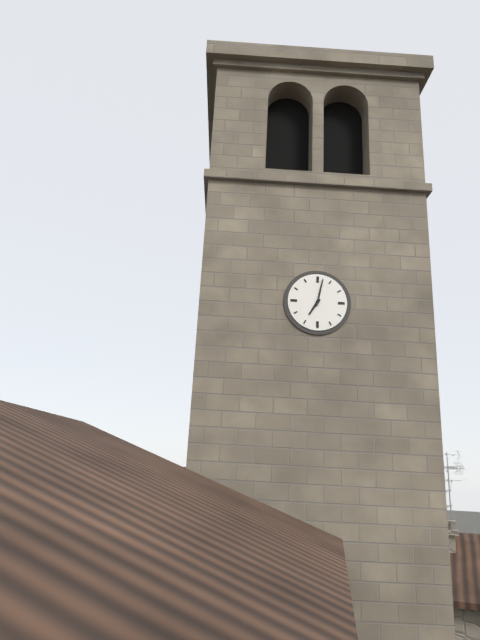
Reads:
{"hour": 7, "minute": 2}
